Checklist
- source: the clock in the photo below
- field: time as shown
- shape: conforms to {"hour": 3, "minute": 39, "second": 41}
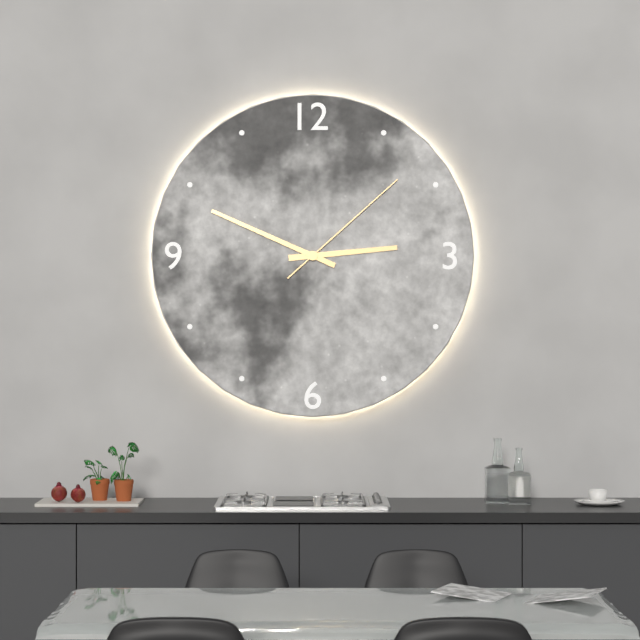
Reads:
{"hour": 2, "minute": 49, "second": 8}
